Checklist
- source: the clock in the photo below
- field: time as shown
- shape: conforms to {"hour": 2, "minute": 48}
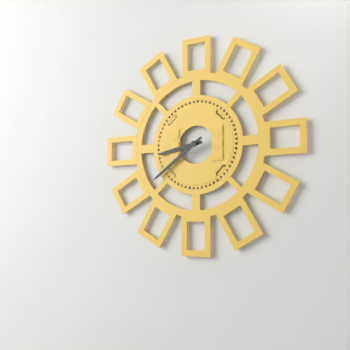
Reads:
{"hour": 8, "minute": 39}
